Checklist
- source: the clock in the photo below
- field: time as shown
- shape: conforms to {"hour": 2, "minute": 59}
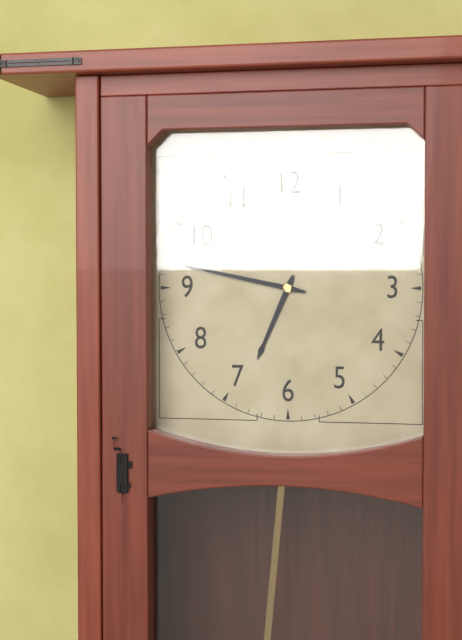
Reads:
{"hour": 6, "minute": 47}
